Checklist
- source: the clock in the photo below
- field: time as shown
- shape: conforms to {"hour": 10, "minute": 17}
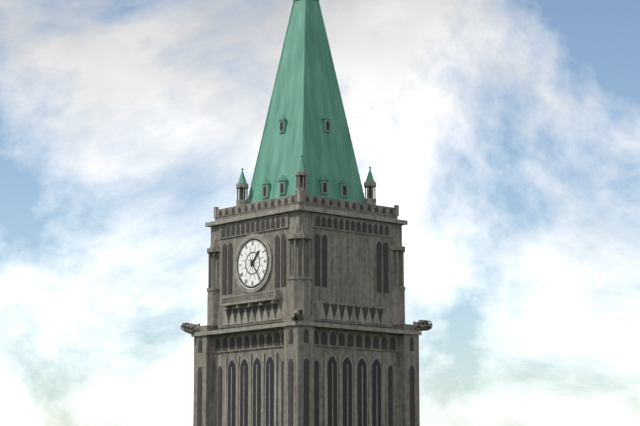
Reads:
{"hour": 1, "minute": 24}
